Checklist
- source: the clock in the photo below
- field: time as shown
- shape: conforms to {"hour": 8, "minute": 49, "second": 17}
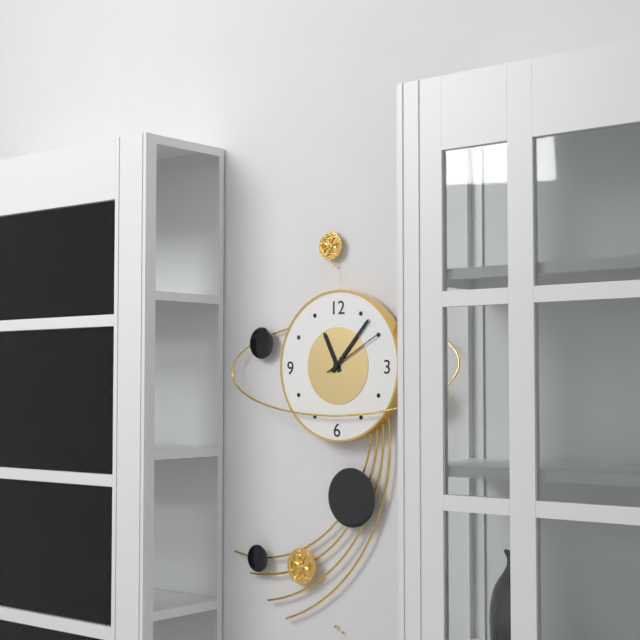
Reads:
{"hour": 11, "minute": 7, "second": 10}
